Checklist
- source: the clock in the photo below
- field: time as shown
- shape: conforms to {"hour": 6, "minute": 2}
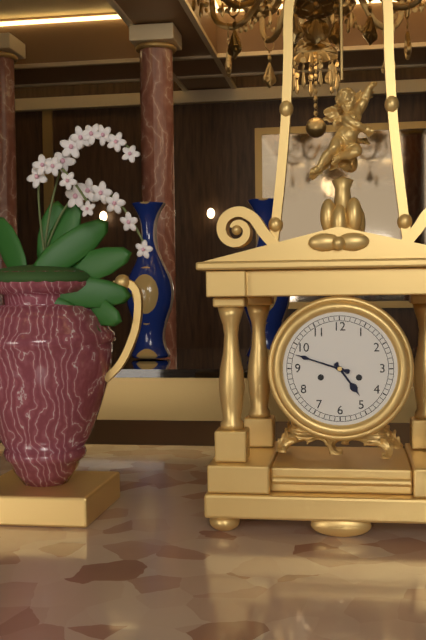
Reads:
{"hour": 4, "minute": 48}
